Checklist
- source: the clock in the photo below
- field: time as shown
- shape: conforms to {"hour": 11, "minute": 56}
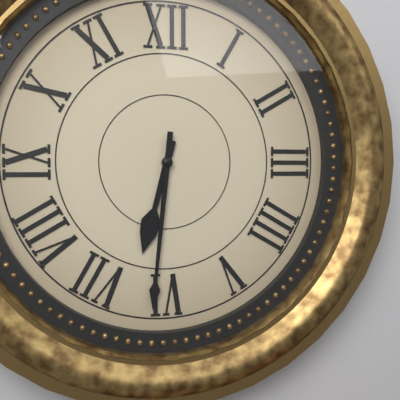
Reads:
{"hour": 6, "minute": 31}
